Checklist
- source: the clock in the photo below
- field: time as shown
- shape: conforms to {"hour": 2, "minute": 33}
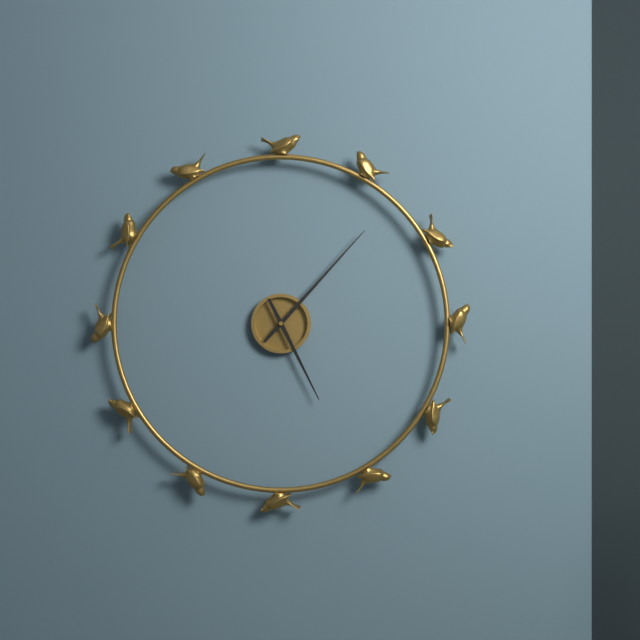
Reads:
{"hour": 5, "minute": 7}
